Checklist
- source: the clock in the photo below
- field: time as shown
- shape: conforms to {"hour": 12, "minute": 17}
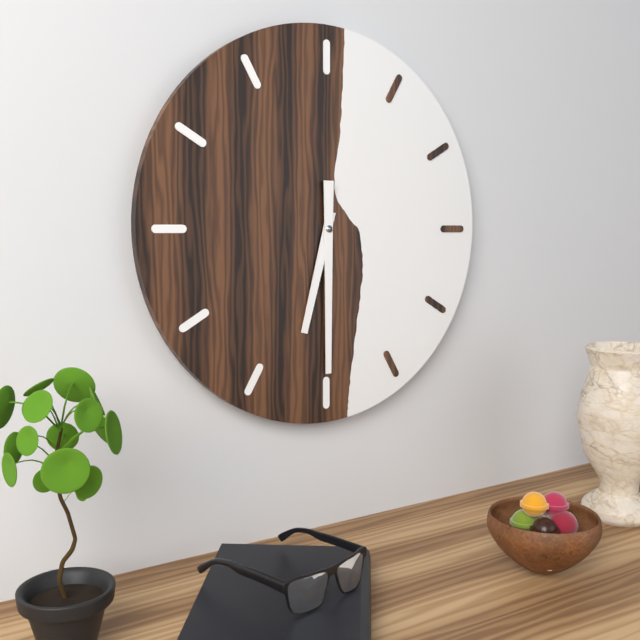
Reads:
{"hour": 6, "minute": 30}
